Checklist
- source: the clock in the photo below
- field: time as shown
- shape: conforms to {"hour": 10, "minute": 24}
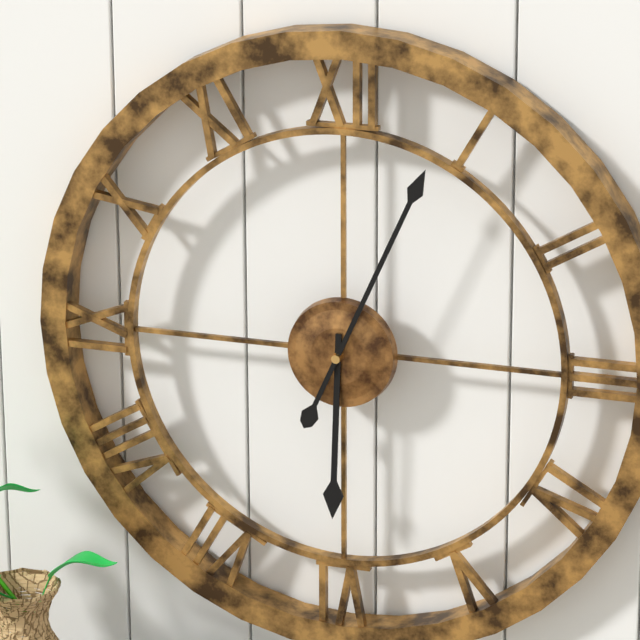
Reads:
{"hour": 6, "minute": 4}
